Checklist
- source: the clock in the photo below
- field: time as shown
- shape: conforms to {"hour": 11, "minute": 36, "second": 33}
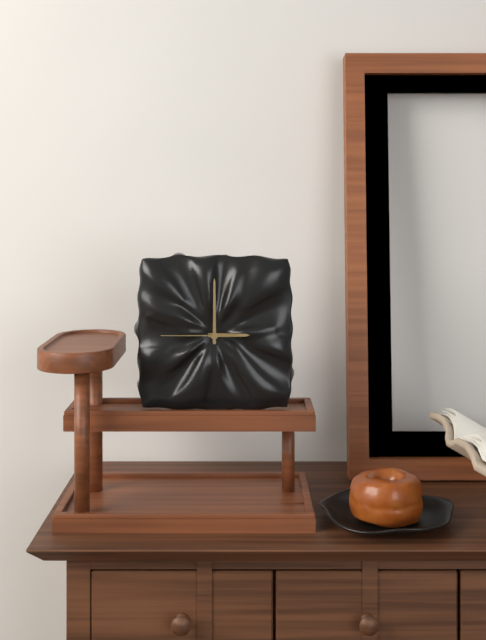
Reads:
{"hour": 3, "minute": 0, "second": 45}
